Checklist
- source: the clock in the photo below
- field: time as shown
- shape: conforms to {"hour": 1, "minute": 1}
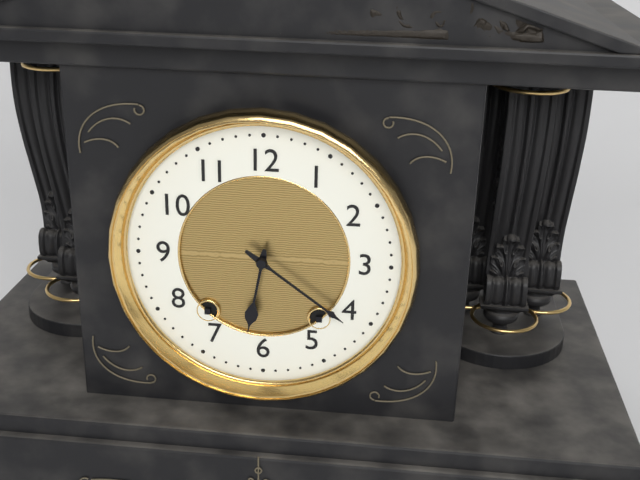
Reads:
{"hour": 6, "minute": 21}
